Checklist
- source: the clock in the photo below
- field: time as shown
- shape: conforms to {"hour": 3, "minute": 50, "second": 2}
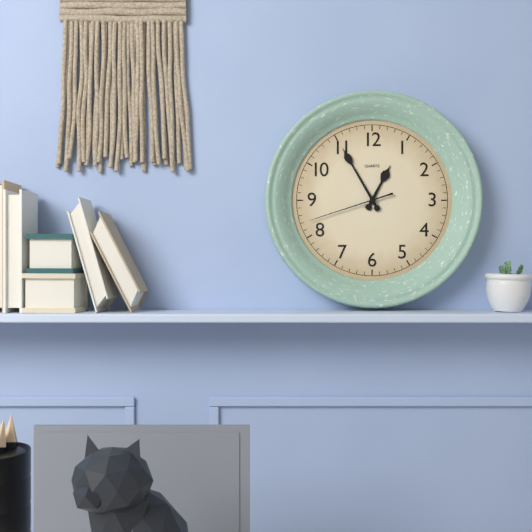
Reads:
{"hour": 12, "minute": 55, "second": 42}
